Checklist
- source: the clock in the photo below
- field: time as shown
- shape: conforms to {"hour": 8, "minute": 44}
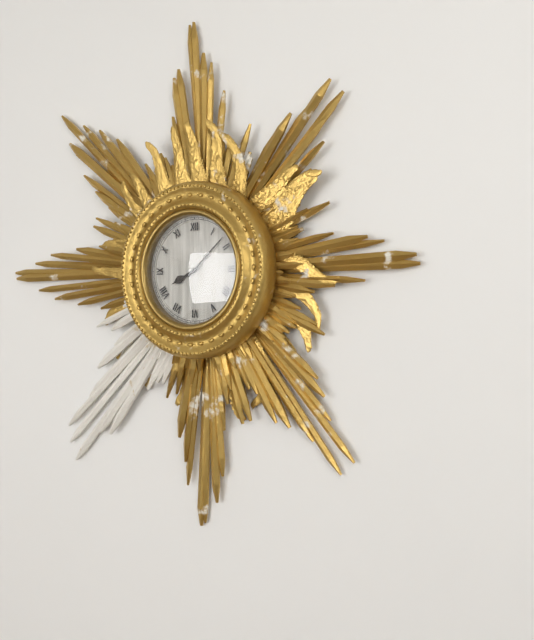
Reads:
{"hour": 8, "minute": 8}
